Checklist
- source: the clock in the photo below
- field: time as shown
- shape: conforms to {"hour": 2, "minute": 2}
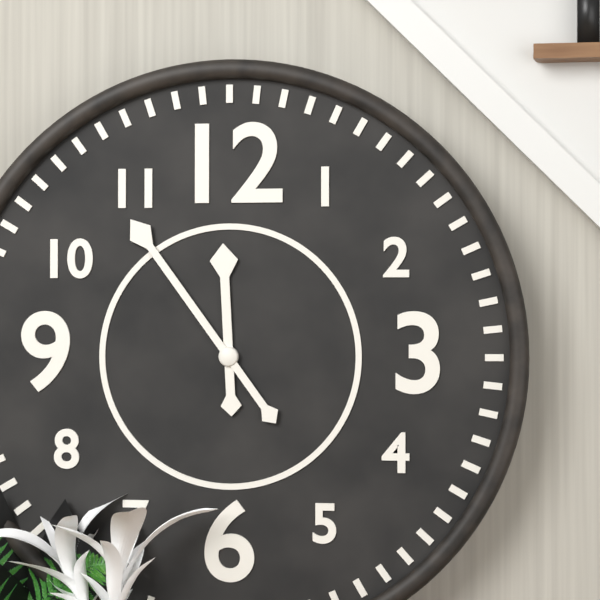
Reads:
{"hour": 11, "minute": 54}
